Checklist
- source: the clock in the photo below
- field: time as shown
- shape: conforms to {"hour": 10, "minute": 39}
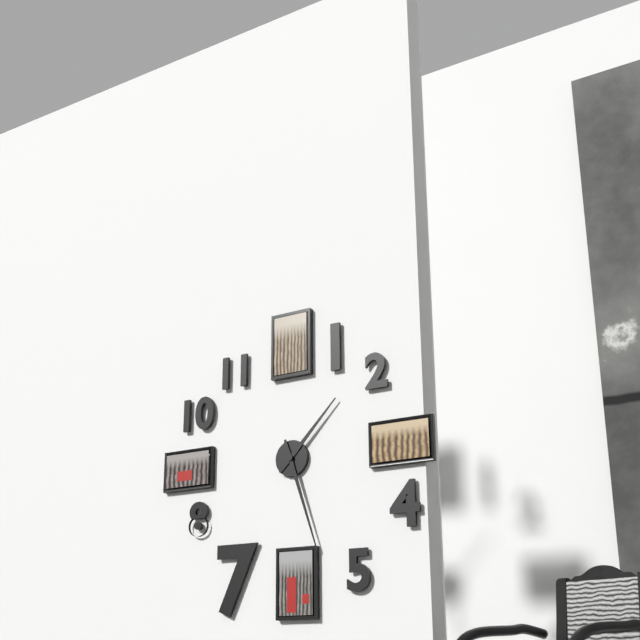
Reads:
{"hour": 1, "minute": 27}
